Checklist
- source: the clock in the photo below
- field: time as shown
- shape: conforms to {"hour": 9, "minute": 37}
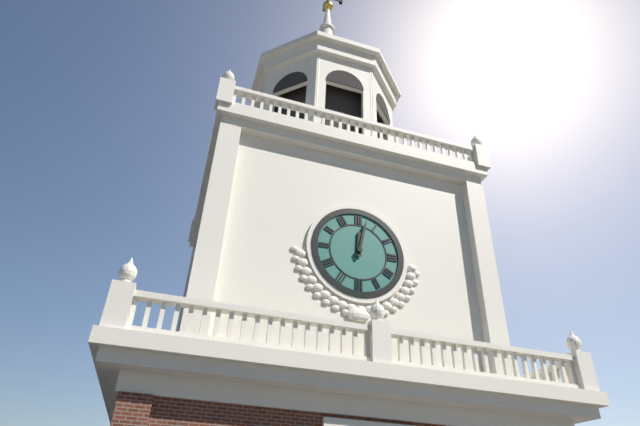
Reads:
{"hour": 12, "minute": 2}
